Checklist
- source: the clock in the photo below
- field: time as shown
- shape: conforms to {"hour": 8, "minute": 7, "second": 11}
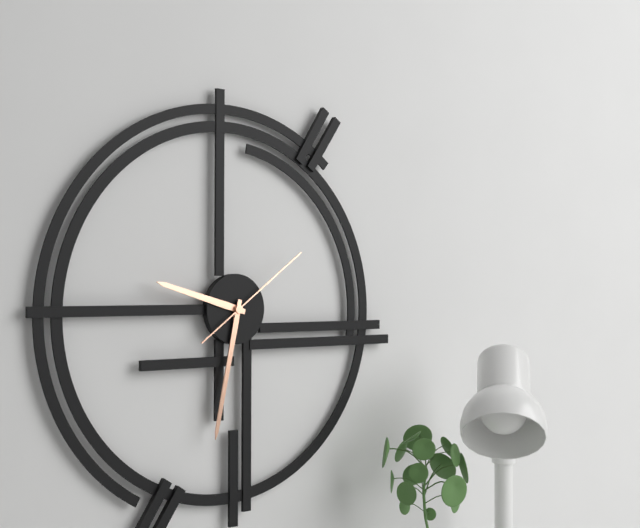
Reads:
{"hour": 9, "minute": 32, "second": 9}
